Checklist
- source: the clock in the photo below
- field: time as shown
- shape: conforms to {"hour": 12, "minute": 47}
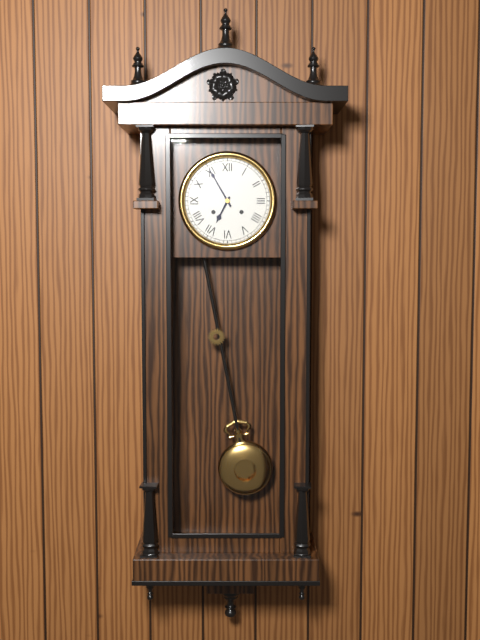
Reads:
{"hour": 6, "minute": 55}
